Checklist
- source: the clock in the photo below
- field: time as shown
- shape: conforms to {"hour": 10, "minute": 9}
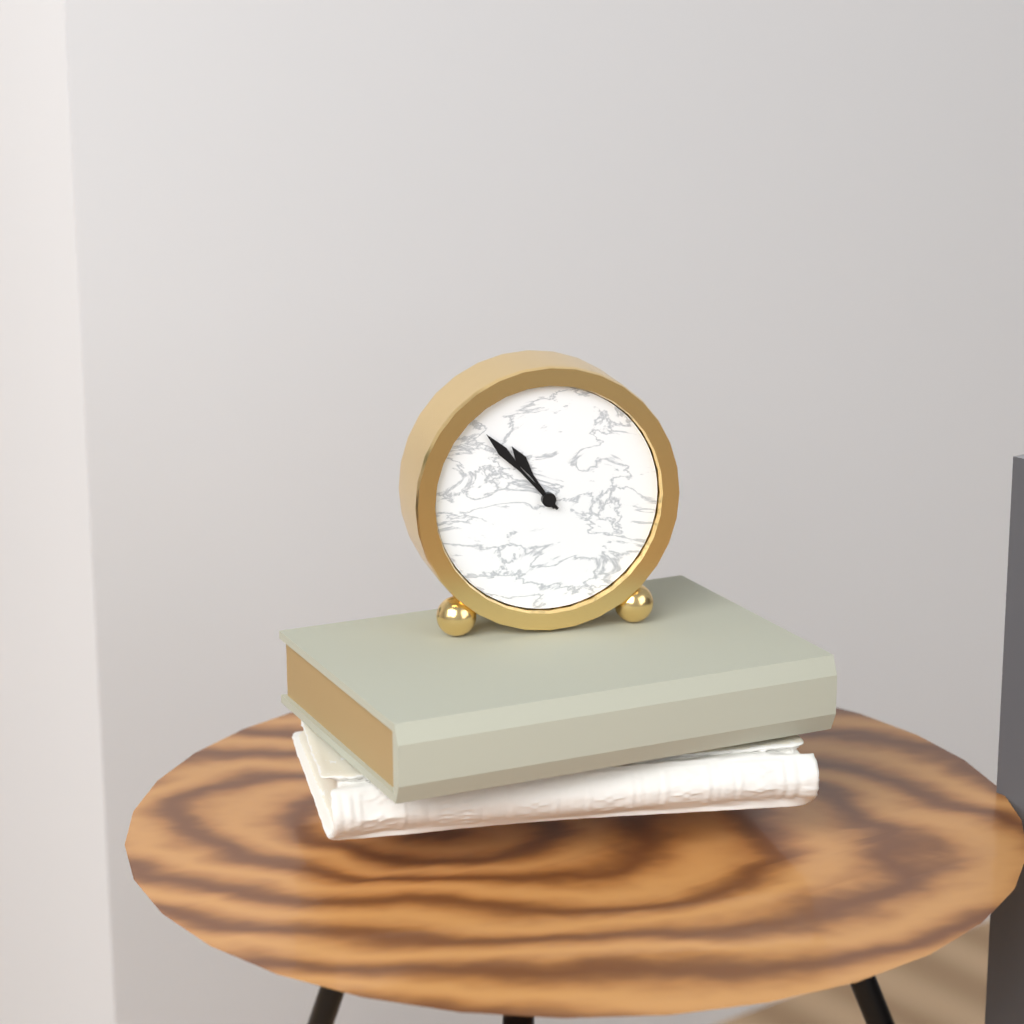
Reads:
{"hour": 10, "minute": 53}
